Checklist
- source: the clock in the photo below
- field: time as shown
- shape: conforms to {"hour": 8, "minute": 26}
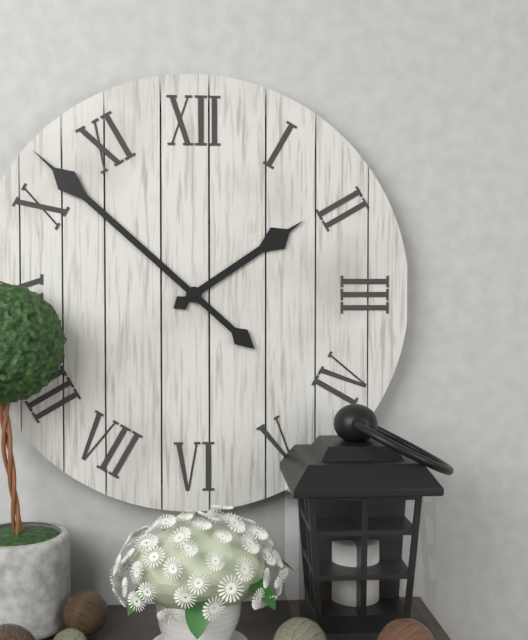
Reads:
{"hour": 1, "minute": 52}
